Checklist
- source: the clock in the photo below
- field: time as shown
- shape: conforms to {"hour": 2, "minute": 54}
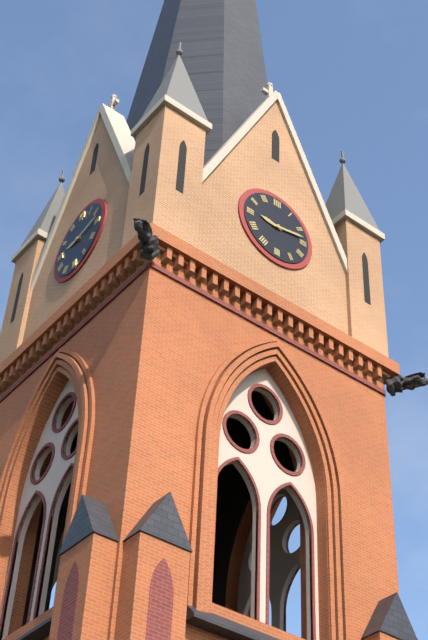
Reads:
{"hour": 9, "minute": 13}
